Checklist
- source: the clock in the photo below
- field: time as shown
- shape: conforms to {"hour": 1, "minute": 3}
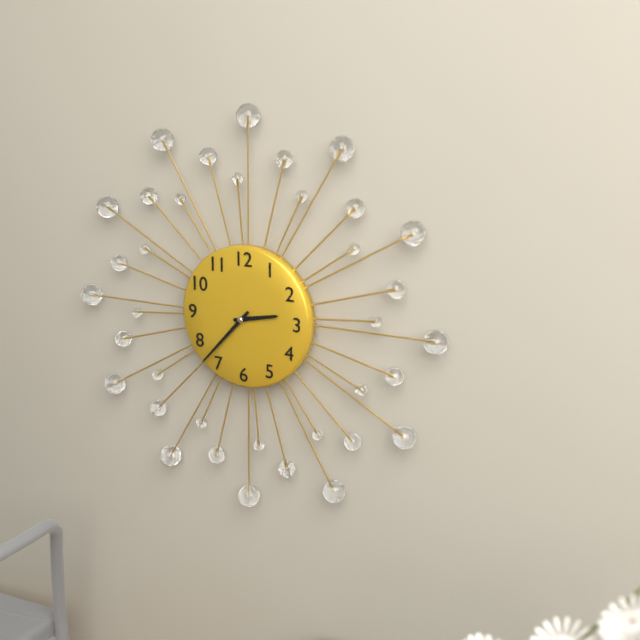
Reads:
{"hour": 2, "minute": 37}
